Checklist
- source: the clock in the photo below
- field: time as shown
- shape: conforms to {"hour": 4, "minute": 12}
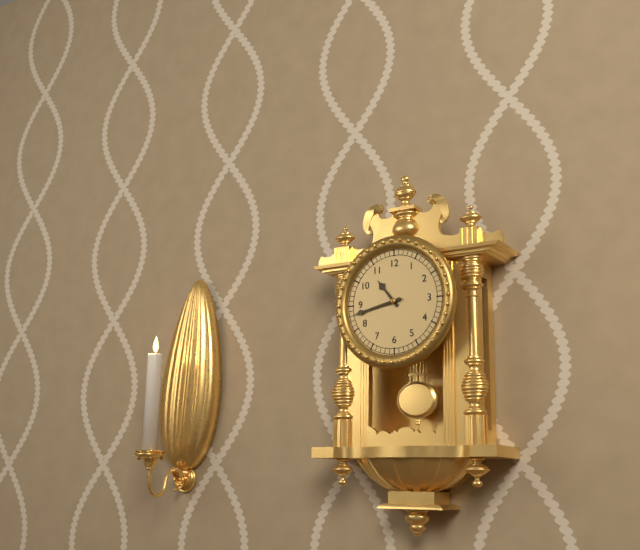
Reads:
{"hour": 10, "minute": 43}
